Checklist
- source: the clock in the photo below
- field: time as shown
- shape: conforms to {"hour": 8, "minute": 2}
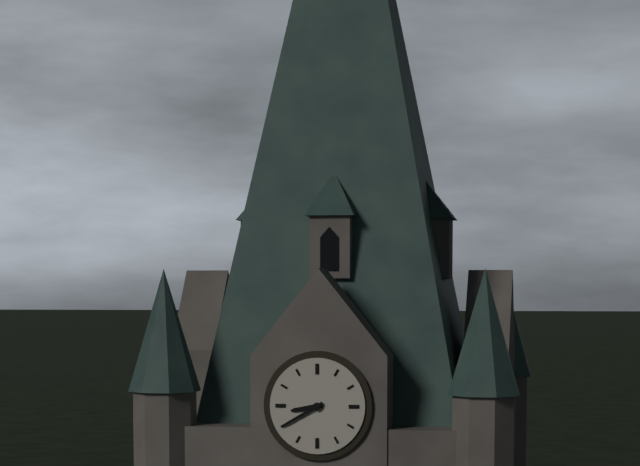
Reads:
{"hour": 8, "minute": 40}
